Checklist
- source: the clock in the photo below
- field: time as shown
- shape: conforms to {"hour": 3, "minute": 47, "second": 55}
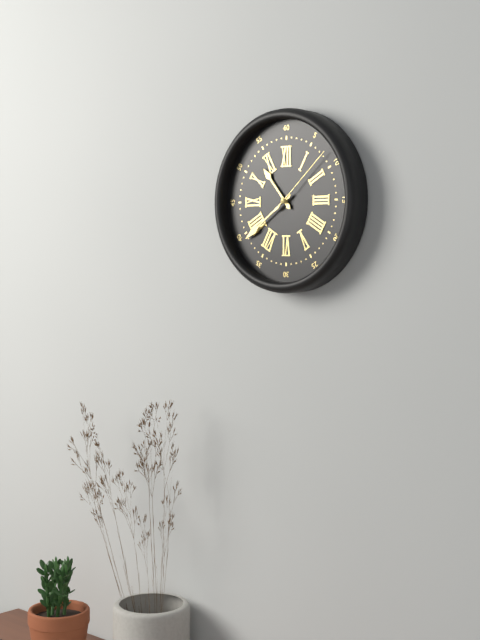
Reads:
{"hour": 10, "minute": 39, "second": 8}
